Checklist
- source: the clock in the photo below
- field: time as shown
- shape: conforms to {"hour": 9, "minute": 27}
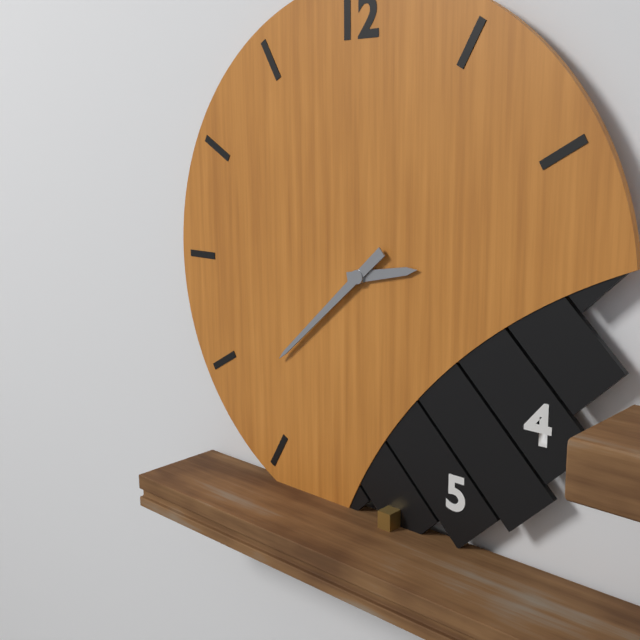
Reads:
{"hour": 2, "minute": 38}
